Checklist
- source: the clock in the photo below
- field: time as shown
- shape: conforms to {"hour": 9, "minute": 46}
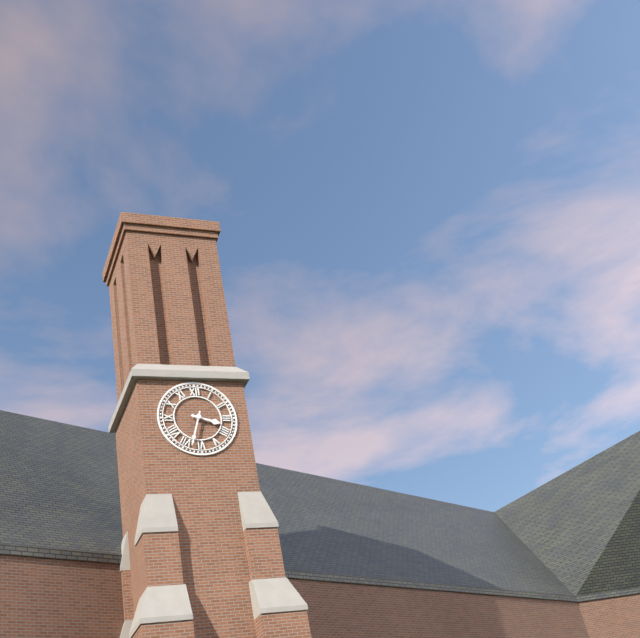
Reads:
{"hour": 3, "minute": 33}
